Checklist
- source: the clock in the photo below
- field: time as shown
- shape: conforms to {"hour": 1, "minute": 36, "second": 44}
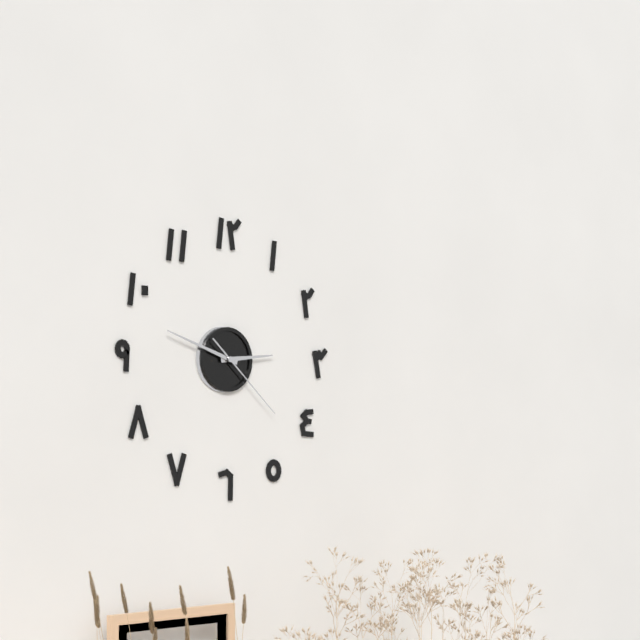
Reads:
{"hour": 2, "minute": 48, "second": 22}
